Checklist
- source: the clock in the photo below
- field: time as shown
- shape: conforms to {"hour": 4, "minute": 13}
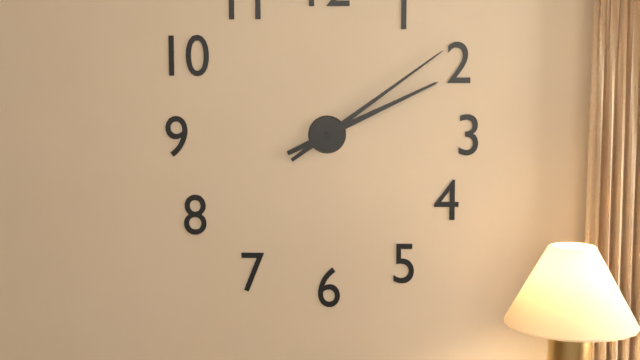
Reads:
{"hour": 2, "minute": 9}
